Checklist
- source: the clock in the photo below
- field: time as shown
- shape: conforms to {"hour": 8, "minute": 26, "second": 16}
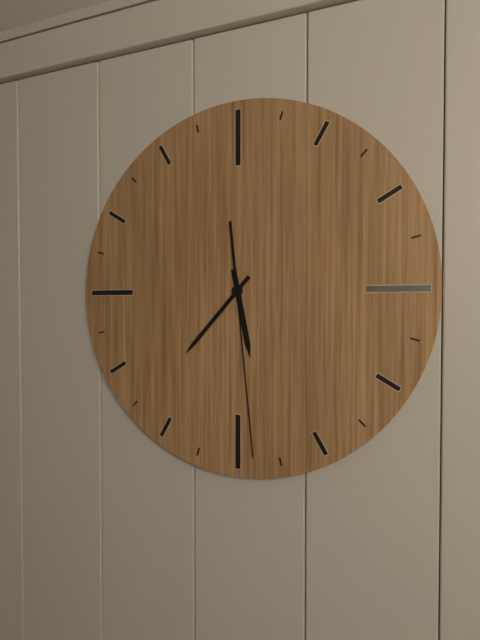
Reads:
{"hour": 5, "minute": 37, "second": 29}
